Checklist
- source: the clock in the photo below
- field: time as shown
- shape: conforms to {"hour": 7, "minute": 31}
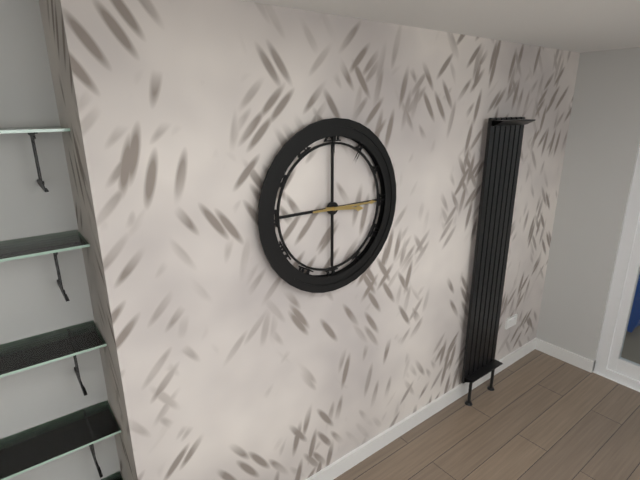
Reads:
{"hour": 3, "minute": 15}
